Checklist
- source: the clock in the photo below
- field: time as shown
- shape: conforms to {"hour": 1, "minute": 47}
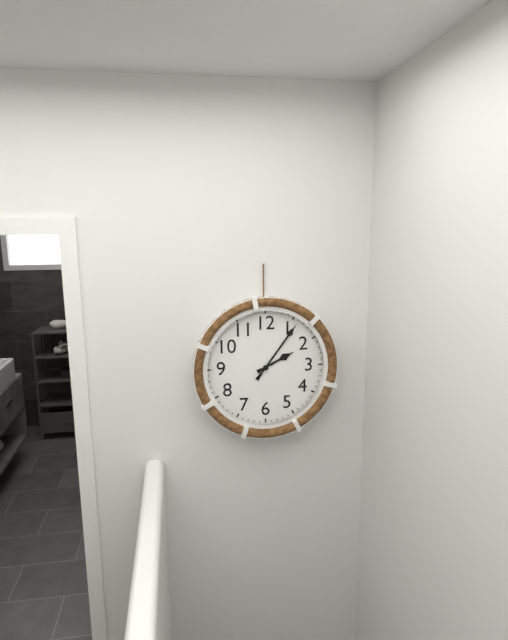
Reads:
{"hour": 2, "minute": 6}
